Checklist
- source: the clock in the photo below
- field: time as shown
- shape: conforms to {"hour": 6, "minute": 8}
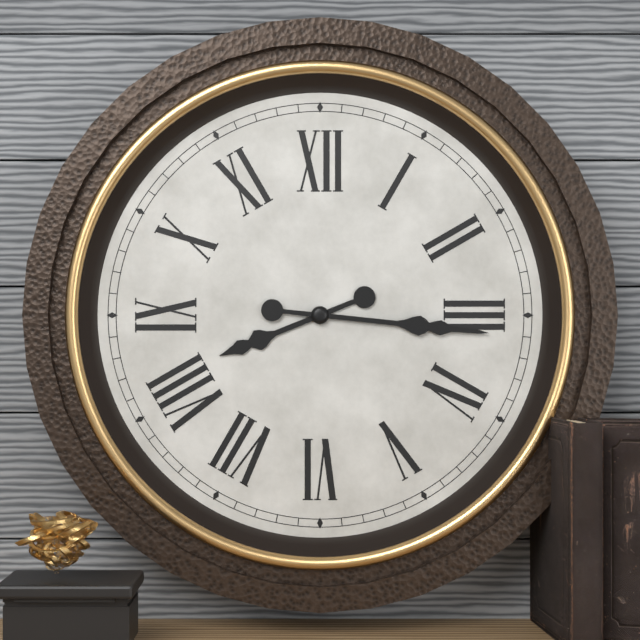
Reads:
{"hour": 8, "minute": 16}
